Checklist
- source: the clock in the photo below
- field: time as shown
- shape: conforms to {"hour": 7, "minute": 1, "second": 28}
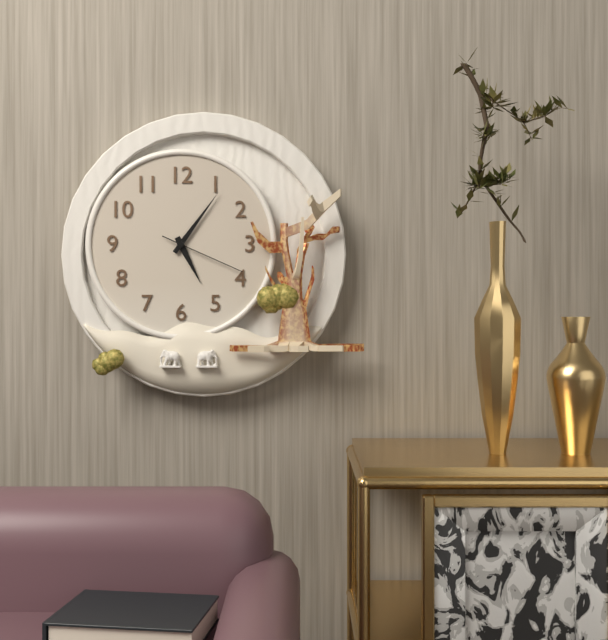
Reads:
{"hour": 5, "minute": 6, "second": 19}
